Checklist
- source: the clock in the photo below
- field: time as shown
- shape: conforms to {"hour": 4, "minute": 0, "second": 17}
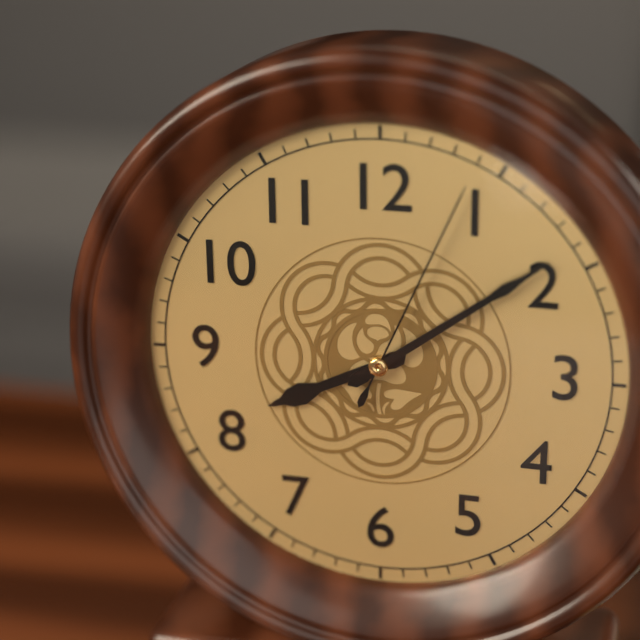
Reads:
{"hour": 8, "minute": 9, "second": 4}
